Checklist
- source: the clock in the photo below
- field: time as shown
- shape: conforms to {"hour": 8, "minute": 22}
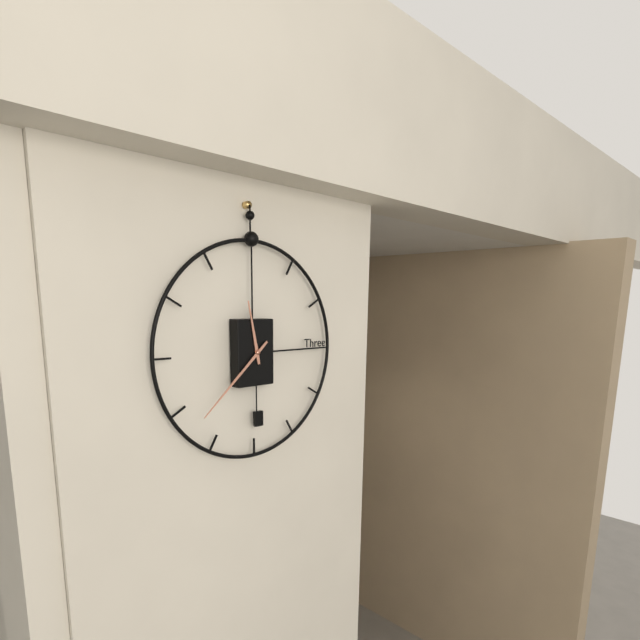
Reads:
{"hour": 11, "minute": 38}
